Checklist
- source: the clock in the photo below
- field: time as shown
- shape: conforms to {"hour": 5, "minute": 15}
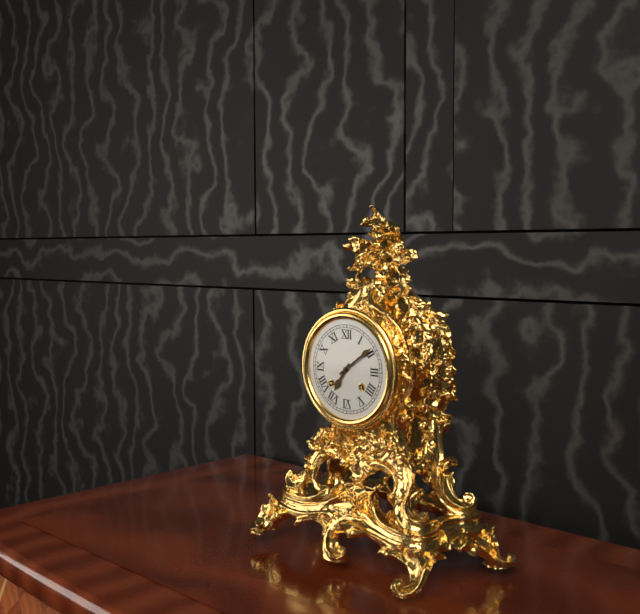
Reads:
{"hour": 7, "minute": 9}
